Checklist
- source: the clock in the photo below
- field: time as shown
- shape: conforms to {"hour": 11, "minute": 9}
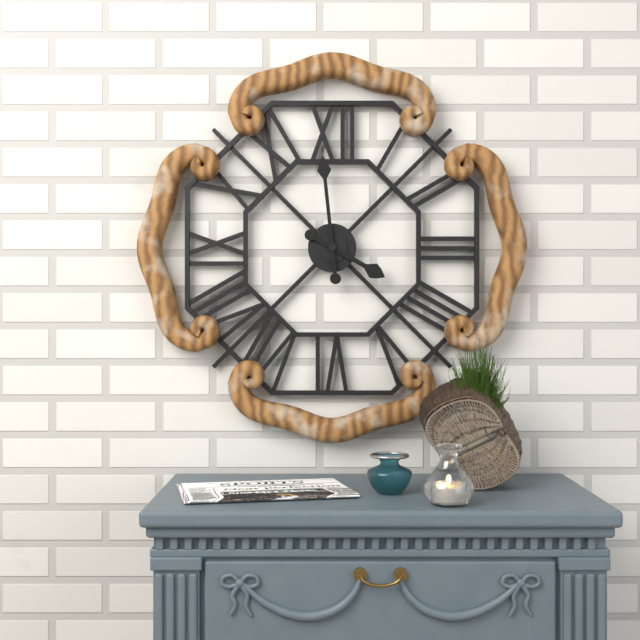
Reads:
{"hour": 3, "minute": 59}
